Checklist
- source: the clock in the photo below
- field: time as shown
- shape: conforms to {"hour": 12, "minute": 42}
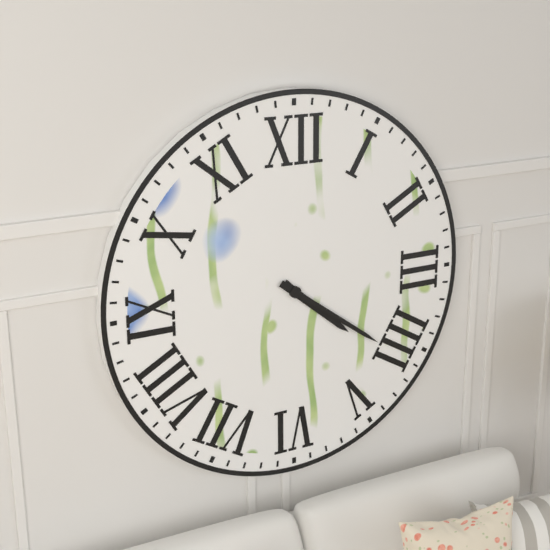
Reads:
{"hour": 4, "minute": 21}
